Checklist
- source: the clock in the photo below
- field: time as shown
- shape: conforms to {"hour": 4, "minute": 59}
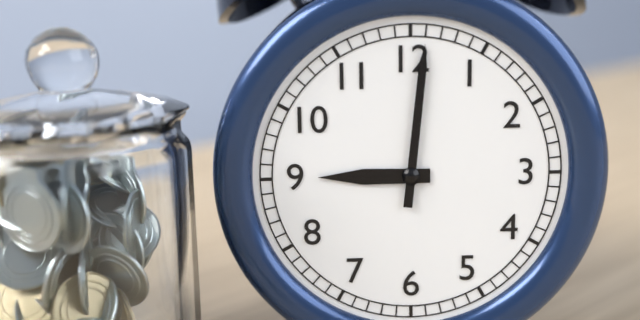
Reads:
{"hour": 9, "minute": 1}
